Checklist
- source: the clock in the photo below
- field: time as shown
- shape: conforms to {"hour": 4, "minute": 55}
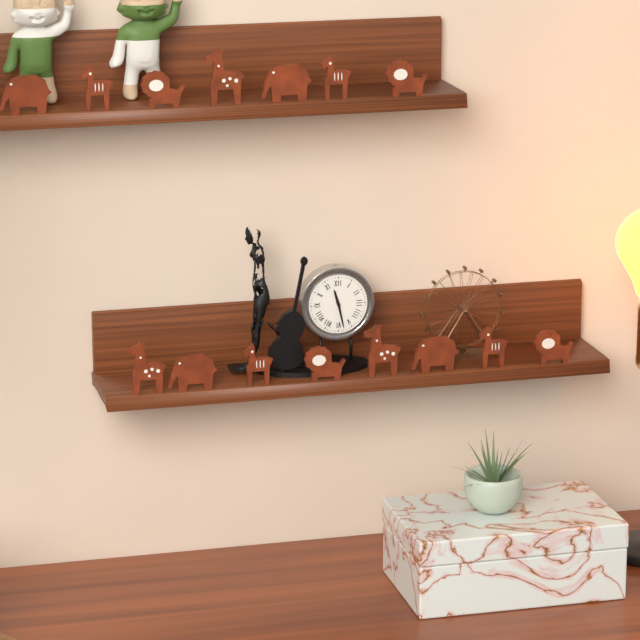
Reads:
{"hour": 11, "minute": 28}
